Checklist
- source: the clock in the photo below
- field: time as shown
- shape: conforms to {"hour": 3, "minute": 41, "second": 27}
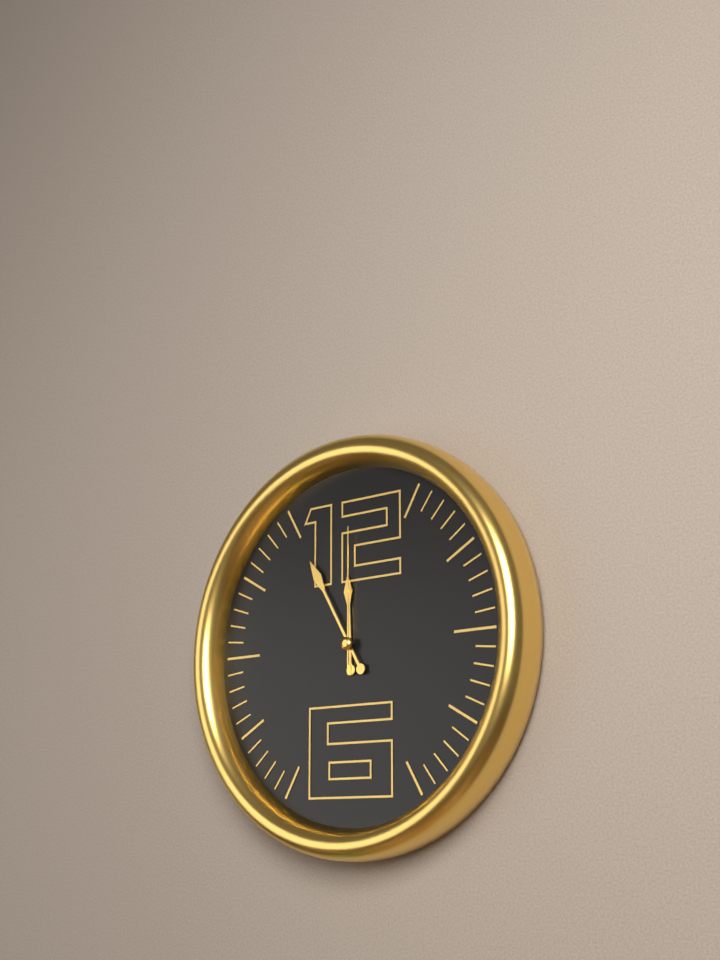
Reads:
{"hour": 11, "minute": 55, "second": 0}
